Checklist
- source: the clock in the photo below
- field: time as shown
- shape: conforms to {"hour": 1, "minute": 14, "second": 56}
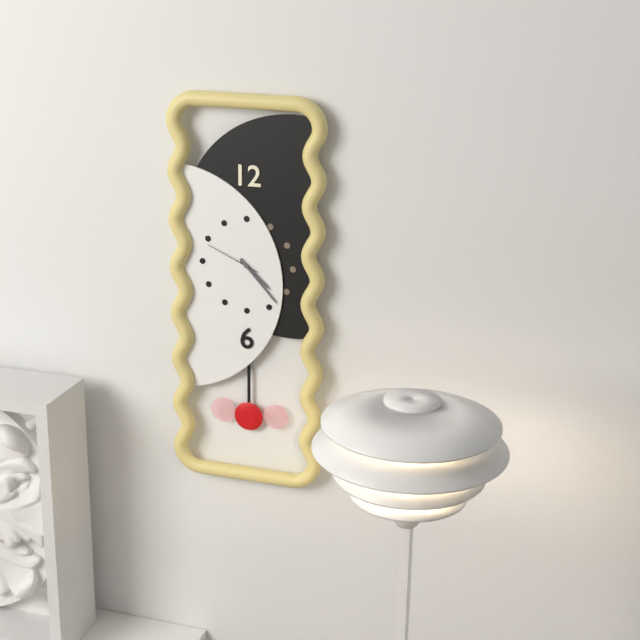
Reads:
{"hour": 4, "minute": 23, "second": 49}
